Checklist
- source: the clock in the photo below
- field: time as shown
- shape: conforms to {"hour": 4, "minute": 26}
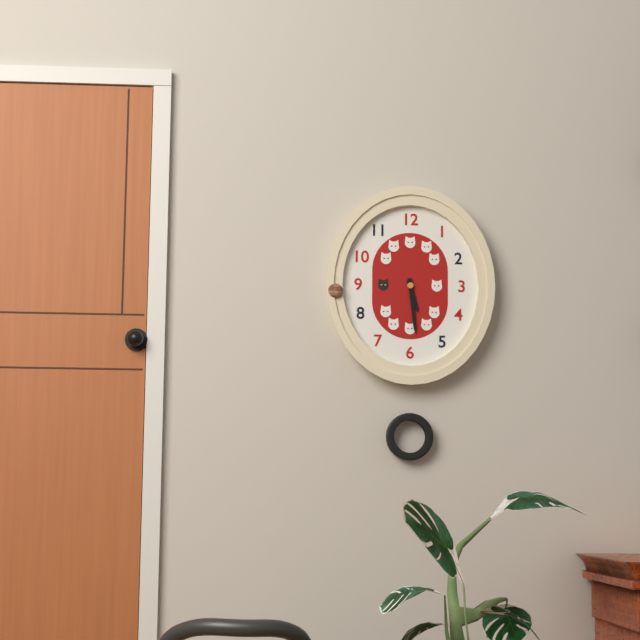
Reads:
{"hour": 5, "minute": 29}
